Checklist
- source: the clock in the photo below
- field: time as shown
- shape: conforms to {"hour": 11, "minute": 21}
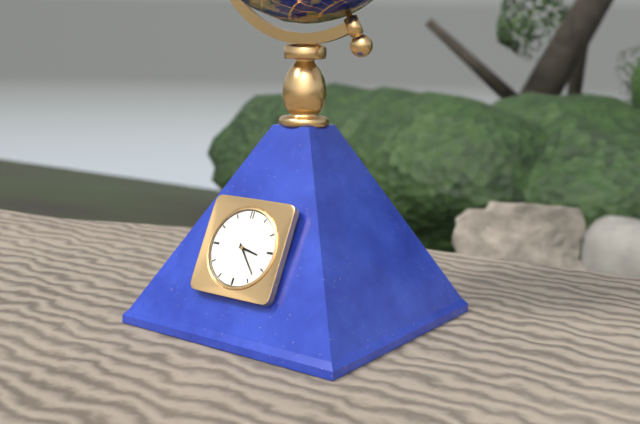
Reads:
{"hour": 3, "minute": 23}
